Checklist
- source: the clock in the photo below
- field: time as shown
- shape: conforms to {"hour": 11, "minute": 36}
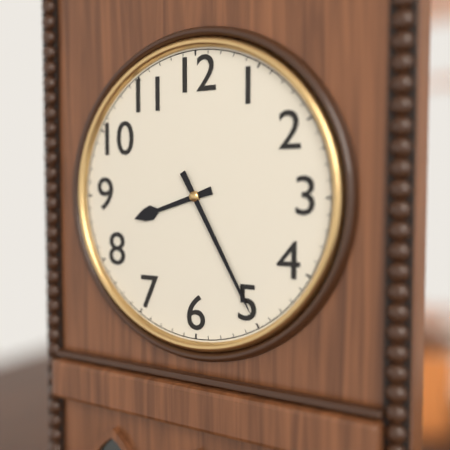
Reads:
{"hour": 8, "minute": 25}
